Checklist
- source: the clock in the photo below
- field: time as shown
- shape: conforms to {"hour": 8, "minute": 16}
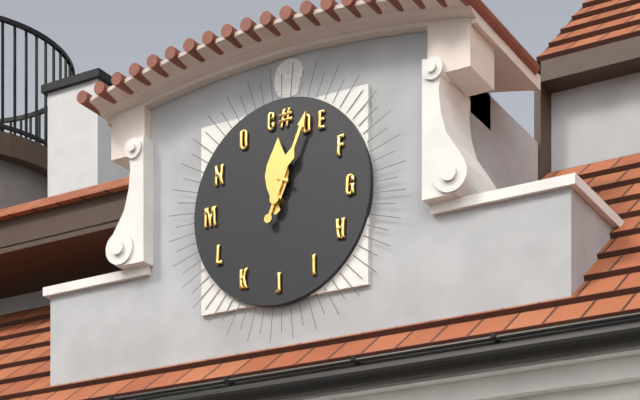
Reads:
{"hour": 12, "minute": 4}
